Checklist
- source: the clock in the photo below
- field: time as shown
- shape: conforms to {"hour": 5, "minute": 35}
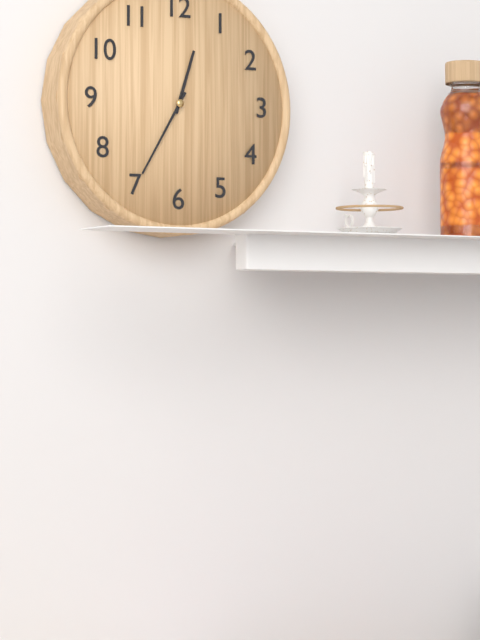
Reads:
{"hour": 12, "minute": 35}
